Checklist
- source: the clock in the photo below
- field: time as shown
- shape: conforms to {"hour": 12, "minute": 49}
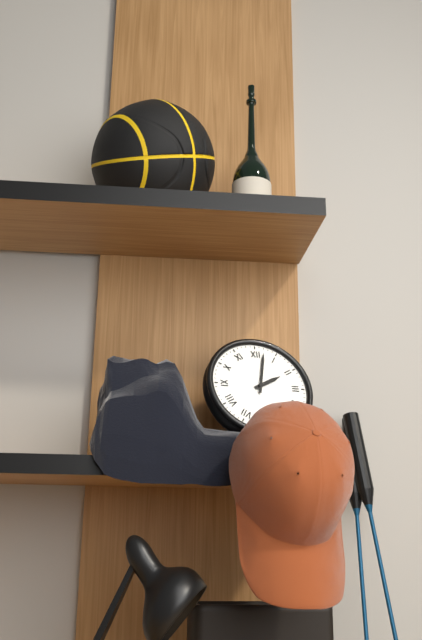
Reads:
{"hour": 2, "minute": 2}
